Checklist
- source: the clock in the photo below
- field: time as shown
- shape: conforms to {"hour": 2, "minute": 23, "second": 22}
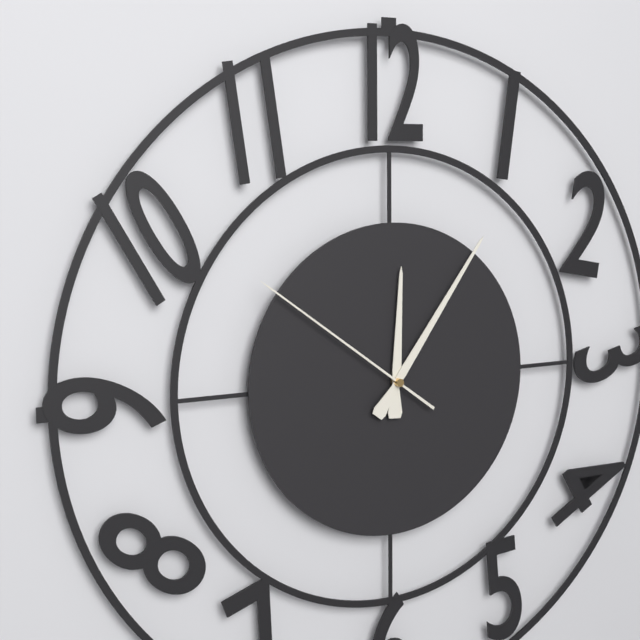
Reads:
{"hour": 12, "minute": 6, "second": 51}
